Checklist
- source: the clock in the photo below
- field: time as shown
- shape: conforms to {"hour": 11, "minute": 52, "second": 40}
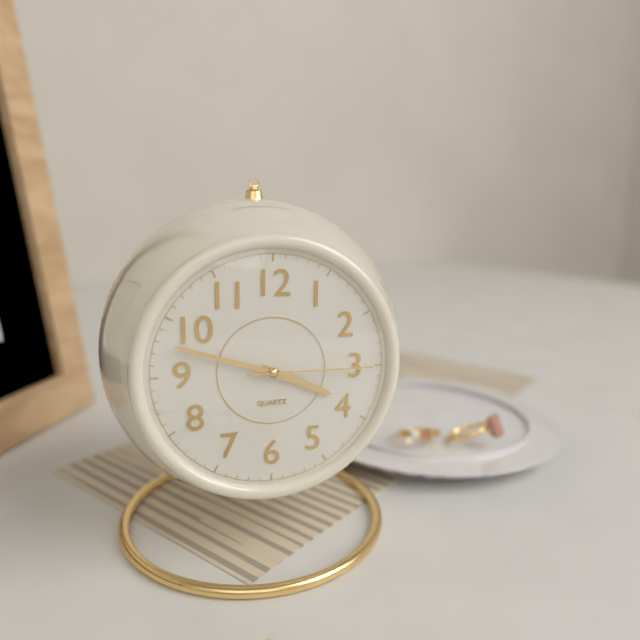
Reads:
{"hour": 3, "minute": 48, "second": 15}
